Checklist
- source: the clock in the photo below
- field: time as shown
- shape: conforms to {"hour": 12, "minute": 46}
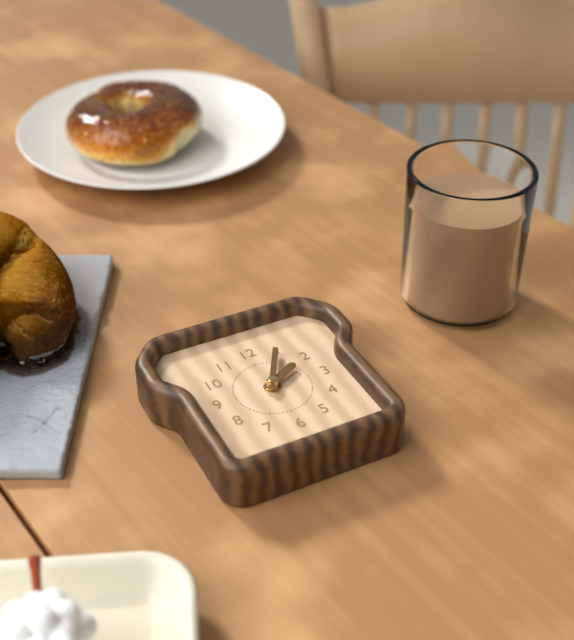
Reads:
{"hour": 2, "minute": 5}
